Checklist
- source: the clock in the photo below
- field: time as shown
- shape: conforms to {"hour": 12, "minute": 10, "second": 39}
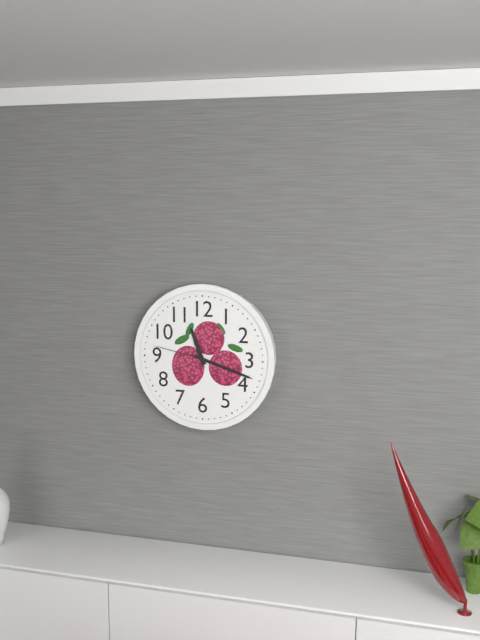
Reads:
{"hour": 11, "minute": 18, "second": 47}
